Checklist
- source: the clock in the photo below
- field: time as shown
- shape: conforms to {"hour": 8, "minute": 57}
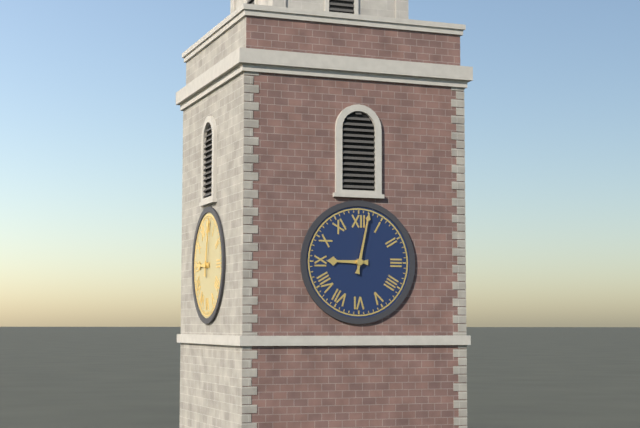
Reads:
{"hour": 9, "minute": 2}
